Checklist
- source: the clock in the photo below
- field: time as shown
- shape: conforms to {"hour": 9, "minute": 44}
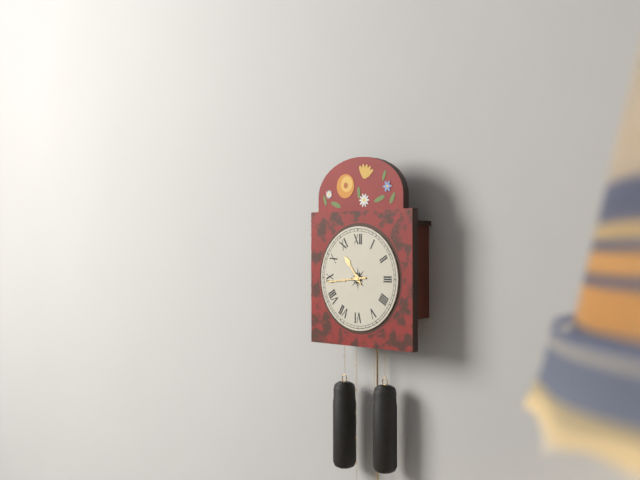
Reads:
{"hour": 10, "minute": 44}
